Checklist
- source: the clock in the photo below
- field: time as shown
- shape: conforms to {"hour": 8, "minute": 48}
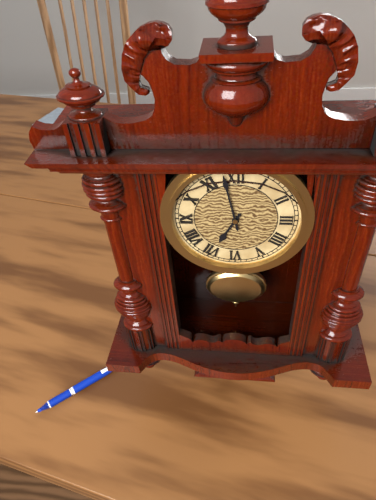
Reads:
{"hour": 6, "minute": 58}
